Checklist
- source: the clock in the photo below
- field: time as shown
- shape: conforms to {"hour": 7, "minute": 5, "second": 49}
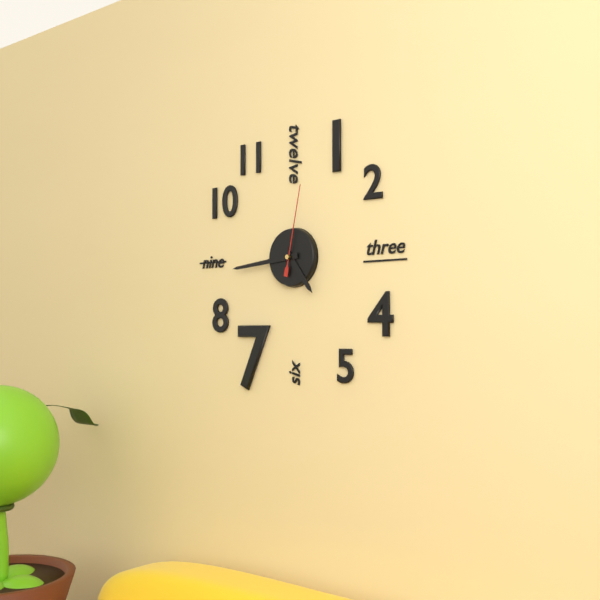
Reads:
{"hour": 4, "minute": 44, "second": 2}
